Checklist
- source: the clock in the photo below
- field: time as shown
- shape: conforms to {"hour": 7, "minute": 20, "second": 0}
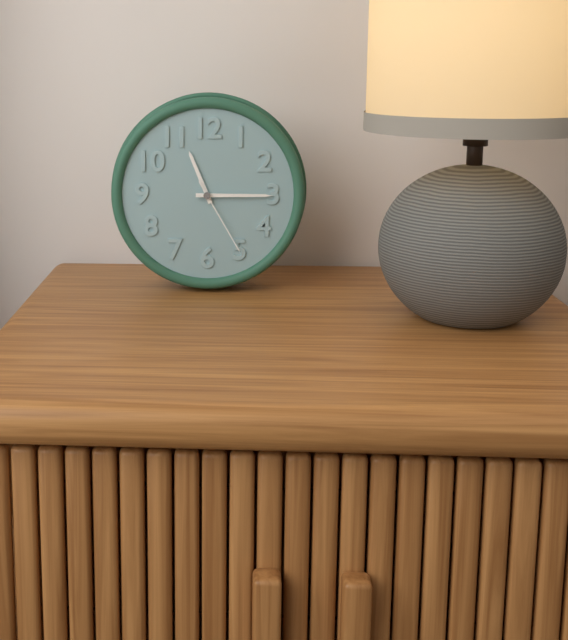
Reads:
{"hour": 11, "minute": 15, "second": 25}
